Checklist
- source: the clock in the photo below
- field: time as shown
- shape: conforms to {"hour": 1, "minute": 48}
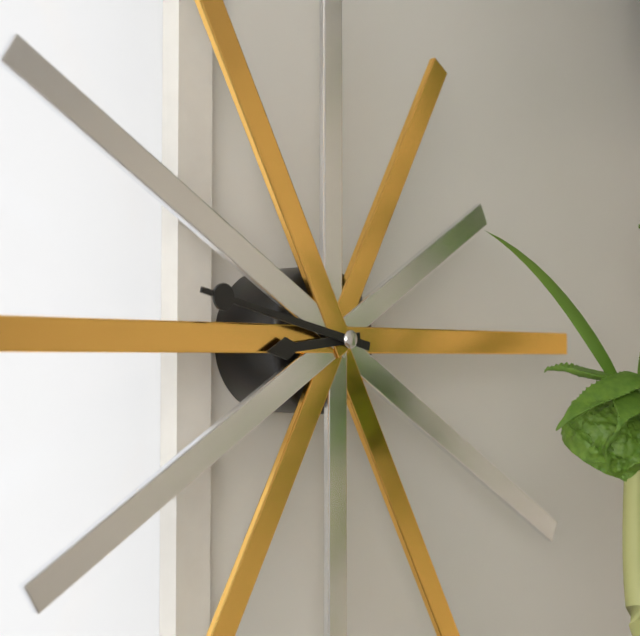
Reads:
{"hour": 8, "minute": 47}
